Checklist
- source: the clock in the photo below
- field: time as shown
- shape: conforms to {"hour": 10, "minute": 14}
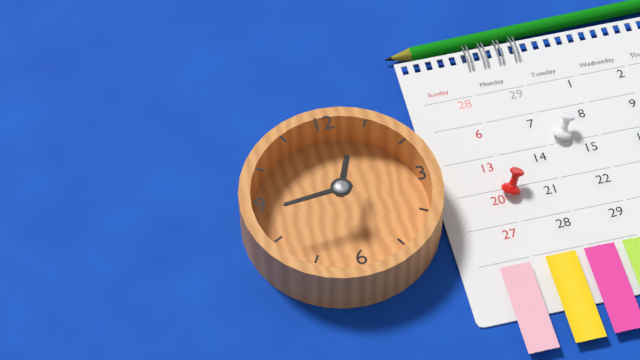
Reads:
{"hour": 12, "minute": 44}
